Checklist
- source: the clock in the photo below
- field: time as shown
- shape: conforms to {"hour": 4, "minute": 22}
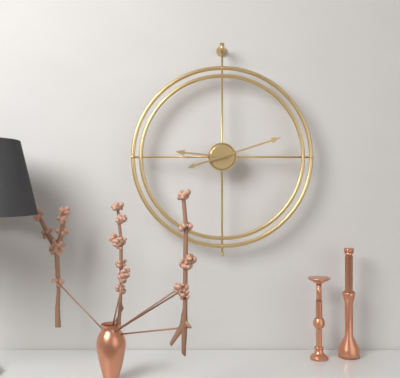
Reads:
{"hour": 9, "minute": 12}
